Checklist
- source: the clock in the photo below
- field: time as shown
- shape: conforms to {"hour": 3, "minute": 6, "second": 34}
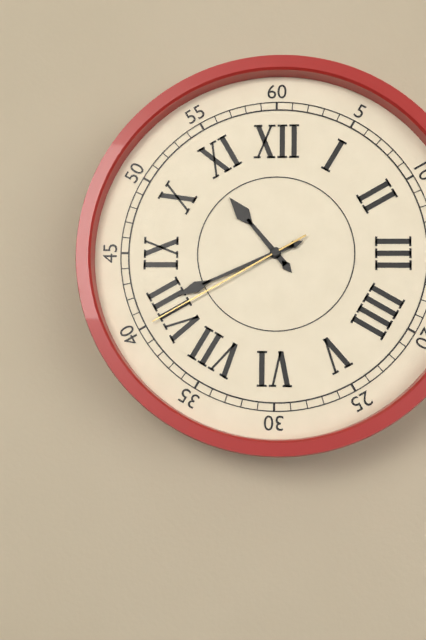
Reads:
{"hour": 10, "minute": 41, "second": 40}
